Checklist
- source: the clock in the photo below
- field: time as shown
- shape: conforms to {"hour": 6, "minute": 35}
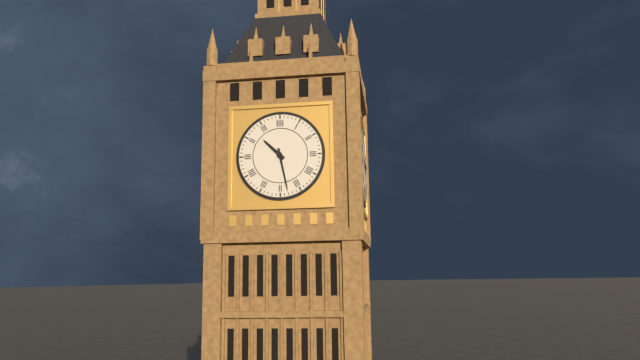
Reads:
{"hour": 10, "minute": 28}
